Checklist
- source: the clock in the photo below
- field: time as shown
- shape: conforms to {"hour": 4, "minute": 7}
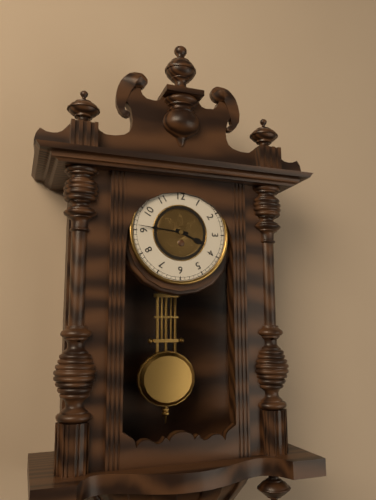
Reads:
{"hour": 3, "minute": 46}
